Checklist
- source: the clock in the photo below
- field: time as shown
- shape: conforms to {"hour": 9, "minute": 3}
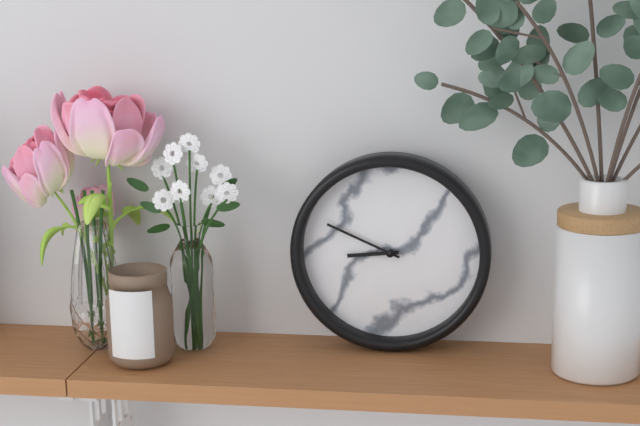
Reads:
{"hour": 8, "minute": 49}
